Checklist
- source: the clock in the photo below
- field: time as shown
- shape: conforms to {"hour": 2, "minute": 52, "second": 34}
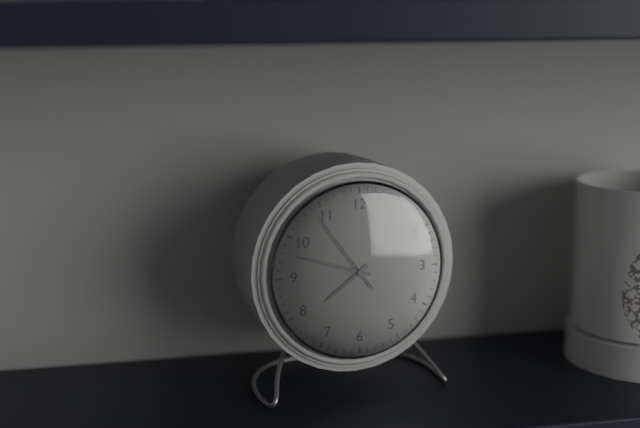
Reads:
{"hour": 7, "minute": 48, "second": 54}
